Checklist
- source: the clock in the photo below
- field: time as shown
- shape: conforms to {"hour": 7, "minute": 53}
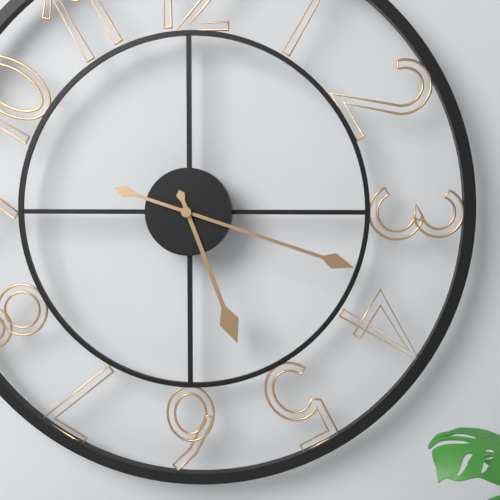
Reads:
{"hour": 5, "minute": 18}
